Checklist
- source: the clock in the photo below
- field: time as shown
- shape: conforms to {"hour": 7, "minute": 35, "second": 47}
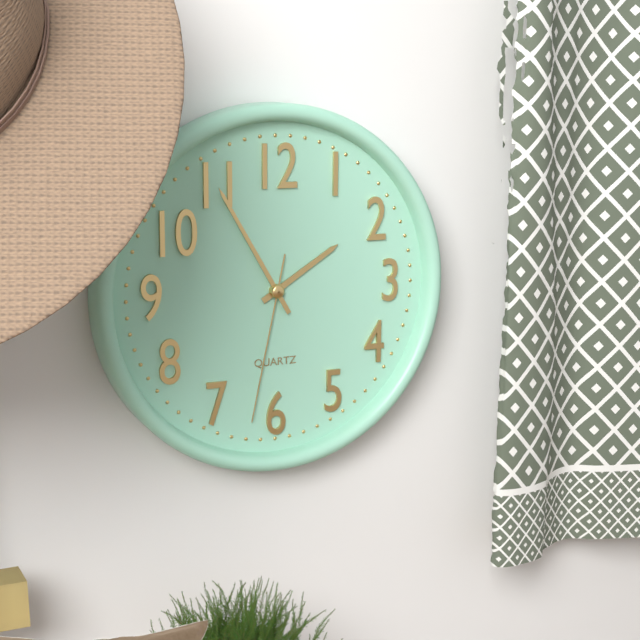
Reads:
{"hour": 1, "minute": 55, "second": 32}
